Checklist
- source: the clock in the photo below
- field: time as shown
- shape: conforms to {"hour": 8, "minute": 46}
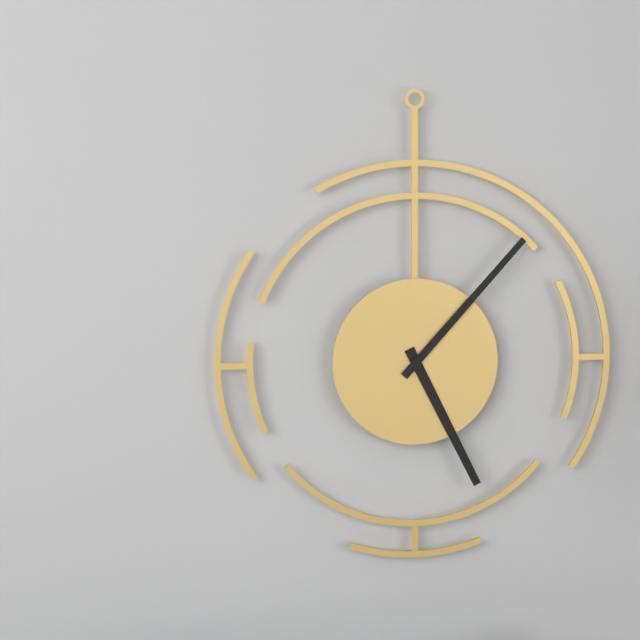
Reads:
{"hour": 5, "minute": 7}
